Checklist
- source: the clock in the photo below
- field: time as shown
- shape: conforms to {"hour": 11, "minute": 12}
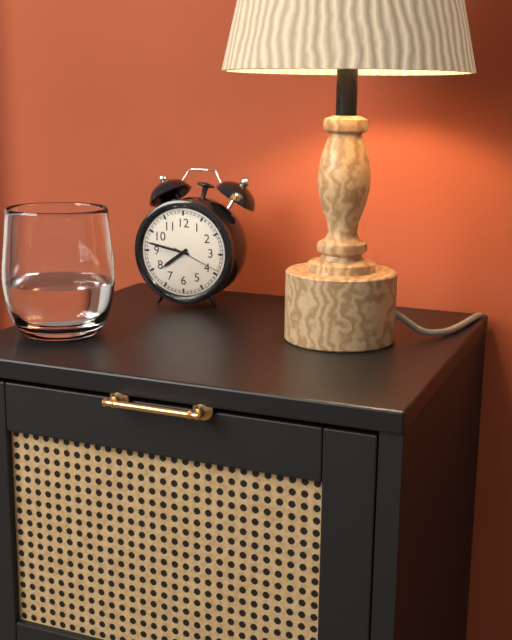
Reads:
{"hour": 7, "minute": 47}
